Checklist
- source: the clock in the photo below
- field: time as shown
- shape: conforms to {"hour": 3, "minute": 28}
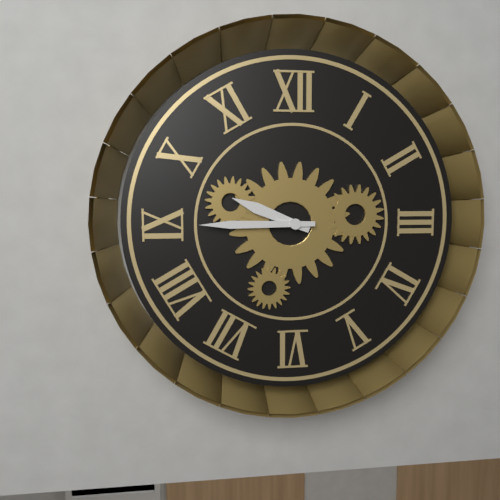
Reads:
{"hour": 9, "minute": 45}
